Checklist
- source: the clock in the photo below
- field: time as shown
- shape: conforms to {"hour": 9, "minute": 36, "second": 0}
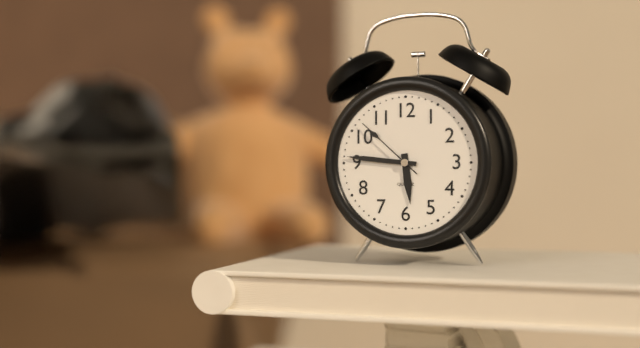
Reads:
{"hour": 5, "minute": 46, "second": 52}
